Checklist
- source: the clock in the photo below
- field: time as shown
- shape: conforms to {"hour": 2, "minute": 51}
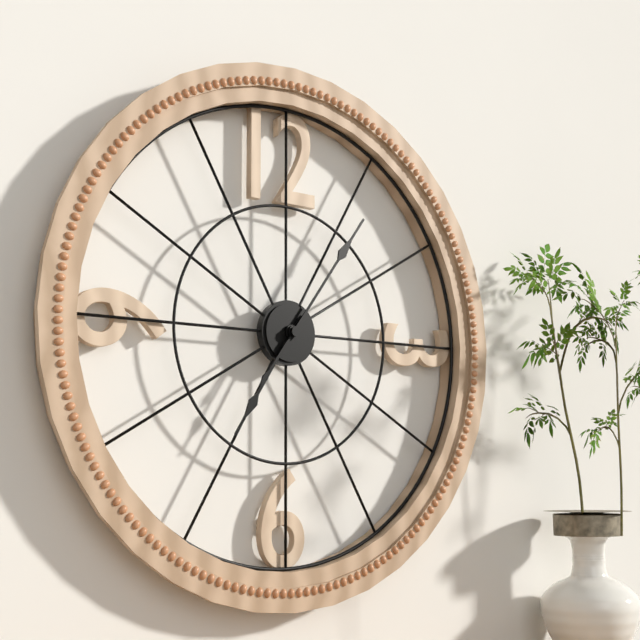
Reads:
{"hour": 7, "minute": 6}
